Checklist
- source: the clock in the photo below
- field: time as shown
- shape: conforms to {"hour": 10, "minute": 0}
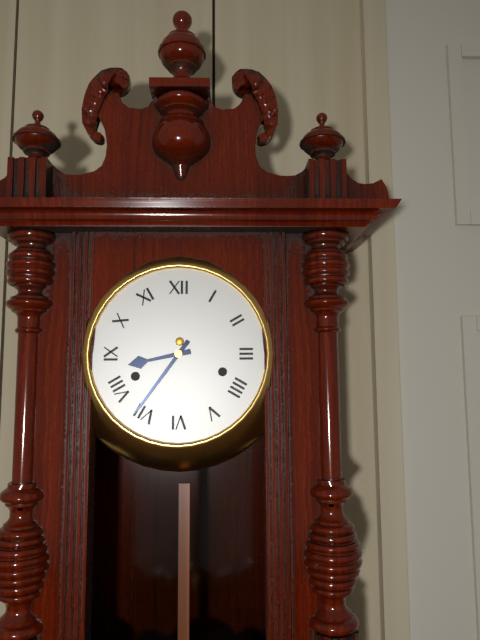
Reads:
{"hour": 8, "minute": 36}
